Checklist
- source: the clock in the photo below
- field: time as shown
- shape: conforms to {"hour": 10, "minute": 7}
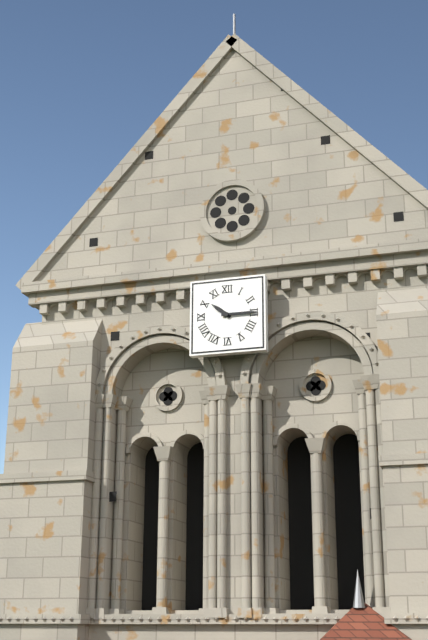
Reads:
{"hour": 10, "minute": 15}
